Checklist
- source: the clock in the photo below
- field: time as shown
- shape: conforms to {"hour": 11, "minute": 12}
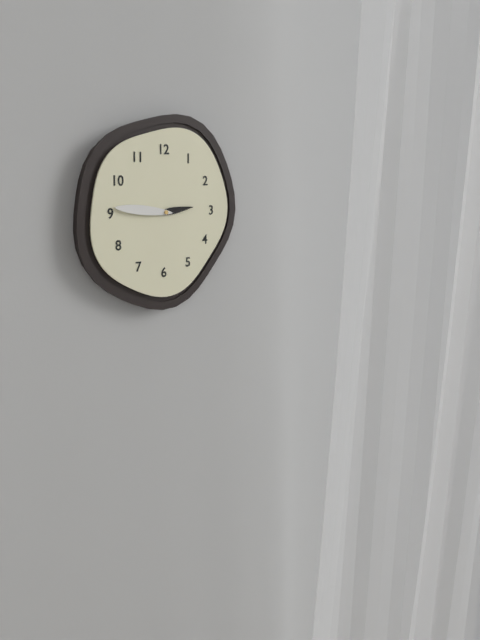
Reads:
{"hour": 2, "minute": 46}
